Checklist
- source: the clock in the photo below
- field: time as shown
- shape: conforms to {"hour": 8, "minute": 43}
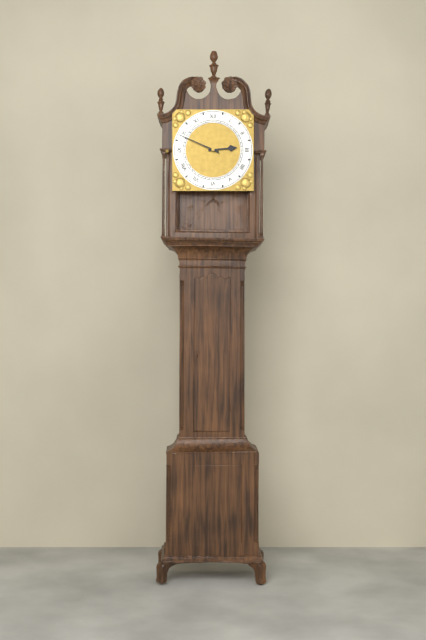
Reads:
{"hour": 2, "minute": 49}
